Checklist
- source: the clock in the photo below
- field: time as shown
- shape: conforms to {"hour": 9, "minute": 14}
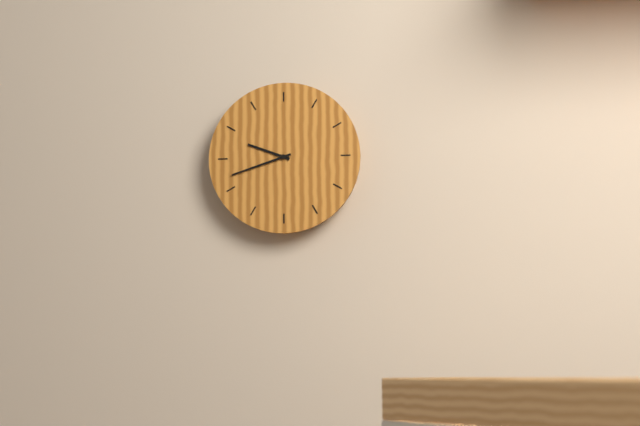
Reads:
{"hour": 9, "minute": 42}
